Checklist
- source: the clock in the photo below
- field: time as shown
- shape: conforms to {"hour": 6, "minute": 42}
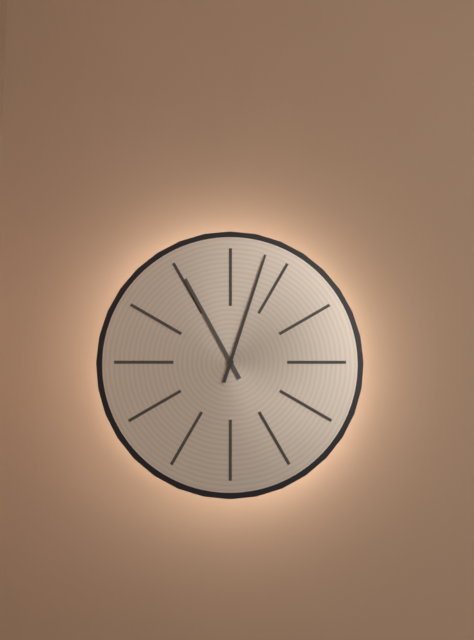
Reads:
{"hour": 11, "minute": 3}
